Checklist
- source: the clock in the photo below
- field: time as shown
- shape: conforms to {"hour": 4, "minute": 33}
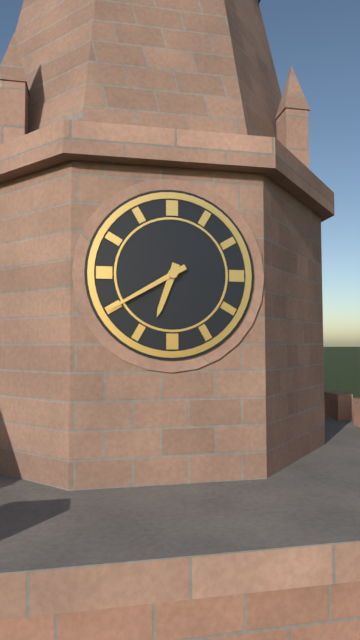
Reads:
{"hour": 6, "minute": 40}
